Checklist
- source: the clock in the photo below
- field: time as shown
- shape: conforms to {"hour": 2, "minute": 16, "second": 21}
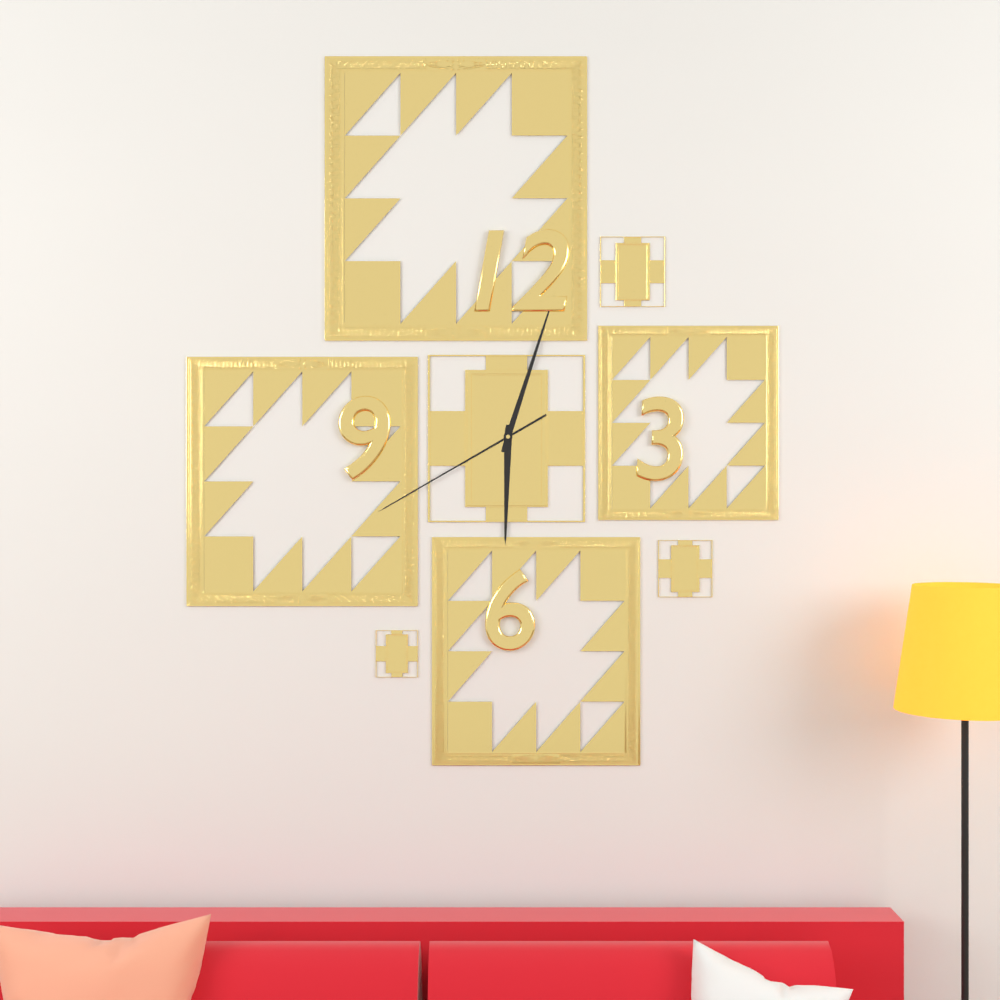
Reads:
{"hour": 6, "minute": 3, "second": 40}
